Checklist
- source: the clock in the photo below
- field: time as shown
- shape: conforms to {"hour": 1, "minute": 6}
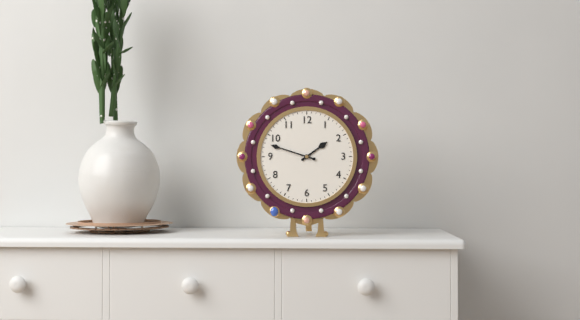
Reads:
{"hour": 1, "minute": 48}
